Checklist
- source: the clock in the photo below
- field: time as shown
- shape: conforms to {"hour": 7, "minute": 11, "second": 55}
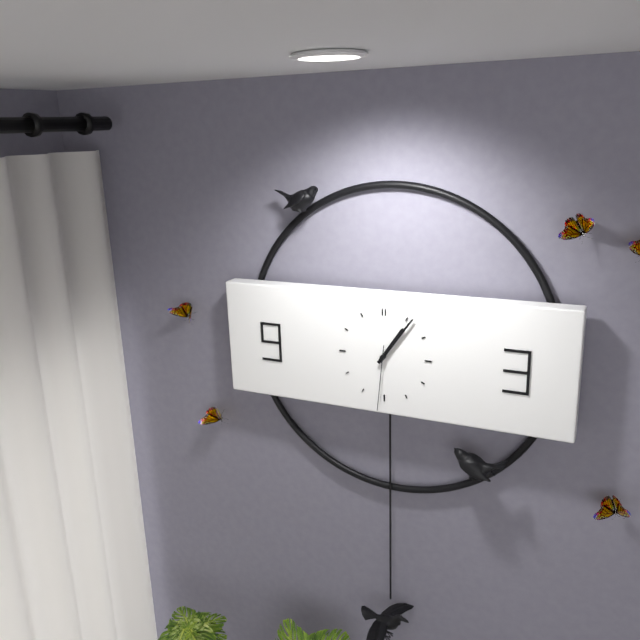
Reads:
{"hour": 1, "minute": 6, "second": 31}
